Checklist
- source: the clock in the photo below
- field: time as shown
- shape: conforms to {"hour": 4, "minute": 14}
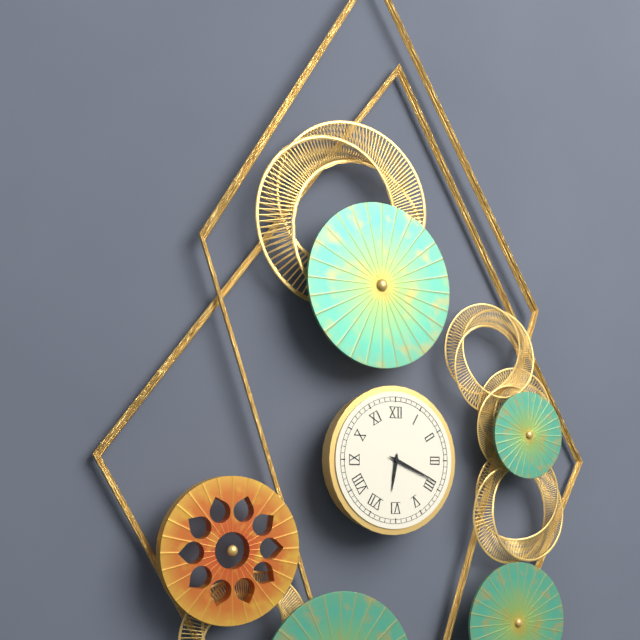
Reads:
{"hour": 6, "minute": 19}
